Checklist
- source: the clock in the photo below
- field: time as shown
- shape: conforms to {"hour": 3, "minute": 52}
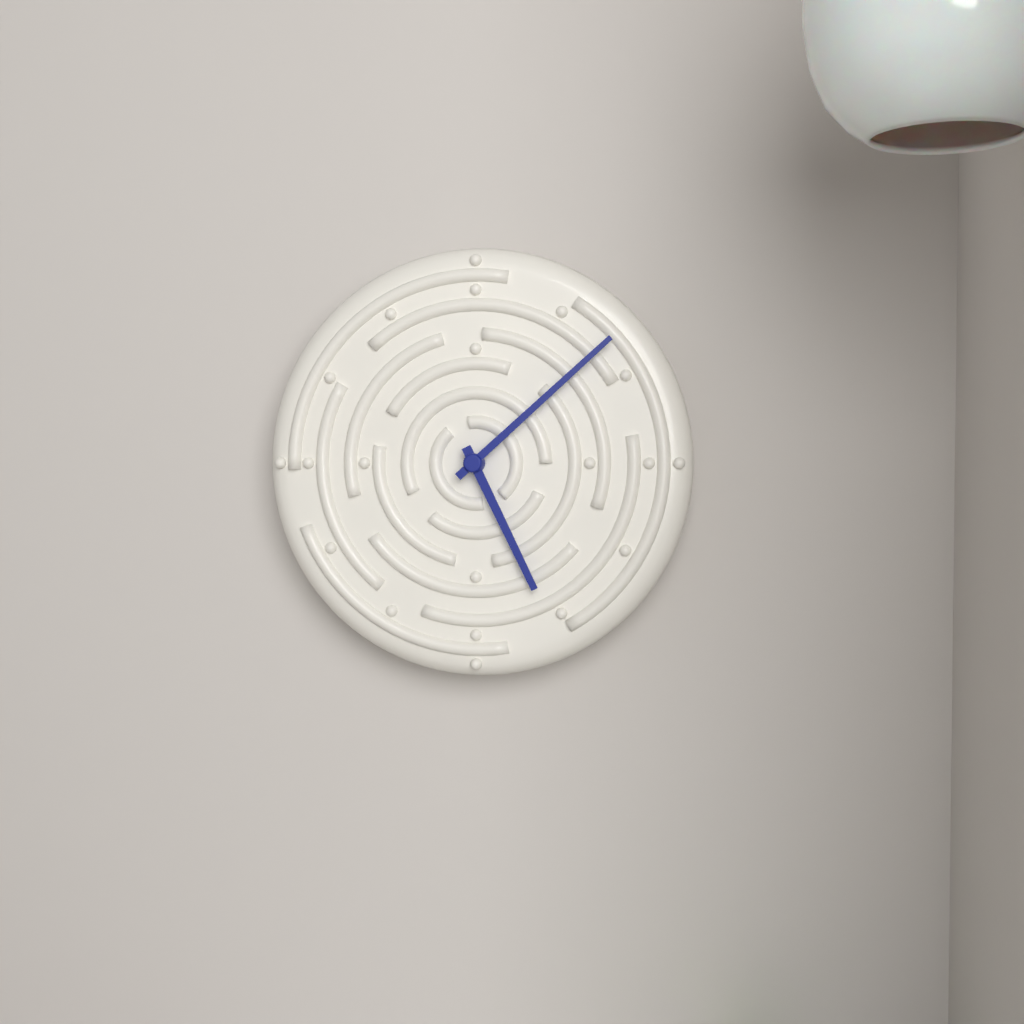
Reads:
{"hour": 5, "minute": 8}
